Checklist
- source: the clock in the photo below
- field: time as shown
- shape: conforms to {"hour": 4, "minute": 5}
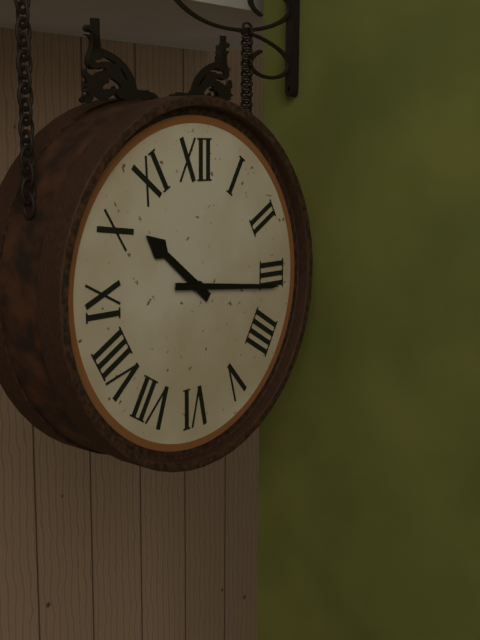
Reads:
{"hour": 10, "minute": 16}
